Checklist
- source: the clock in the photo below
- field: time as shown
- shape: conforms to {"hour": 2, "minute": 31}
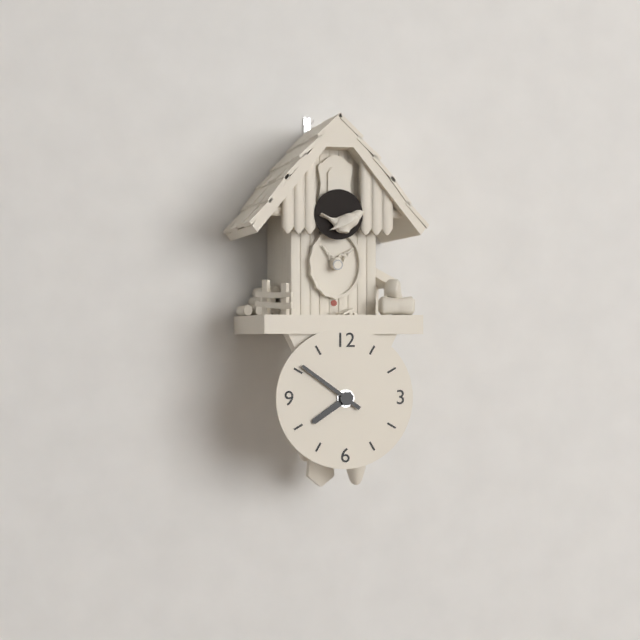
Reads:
{"hour": 7, "minute": 51}
